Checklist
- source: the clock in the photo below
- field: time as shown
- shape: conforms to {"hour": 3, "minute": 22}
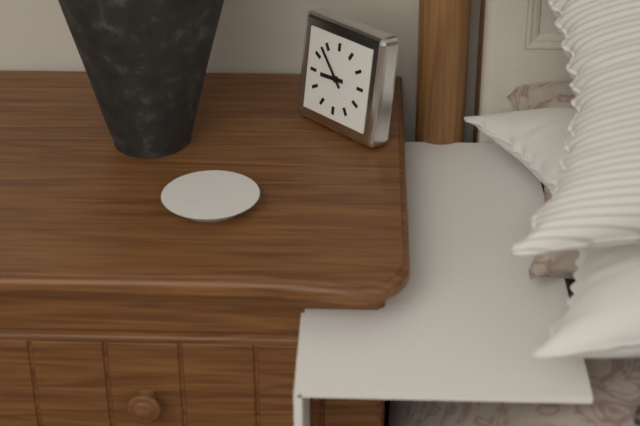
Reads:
{"hour": 8, "minute": 53}
